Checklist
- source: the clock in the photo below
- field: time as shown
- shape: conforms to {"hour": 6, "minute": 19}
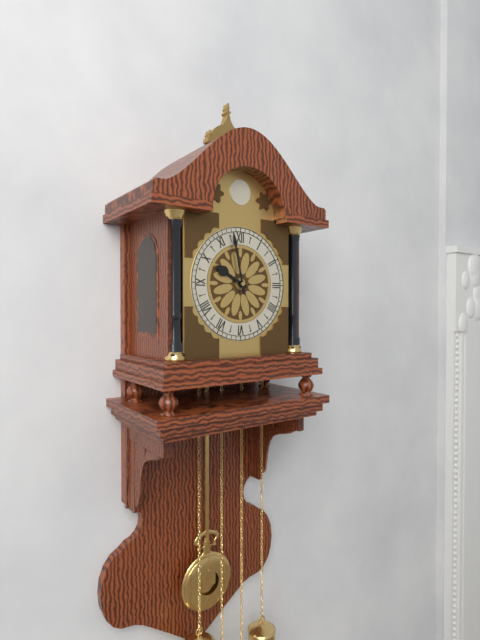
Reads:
{"hour": 9, "minute": 58}
